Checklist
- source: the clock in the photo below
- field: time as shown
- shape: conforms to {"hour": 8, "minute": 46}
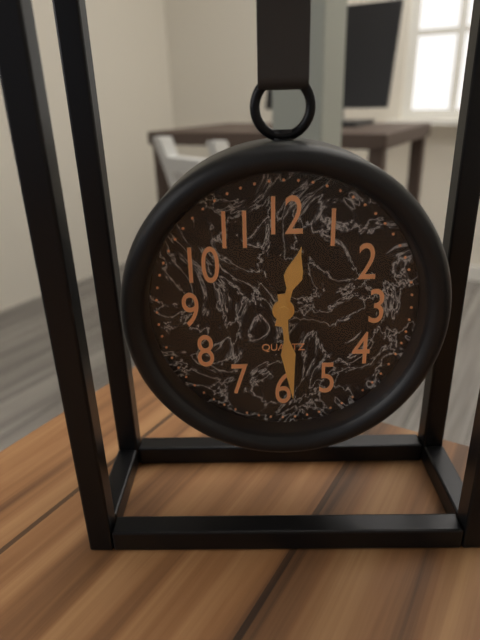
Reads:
{"hour": 12, "minute": 29}
